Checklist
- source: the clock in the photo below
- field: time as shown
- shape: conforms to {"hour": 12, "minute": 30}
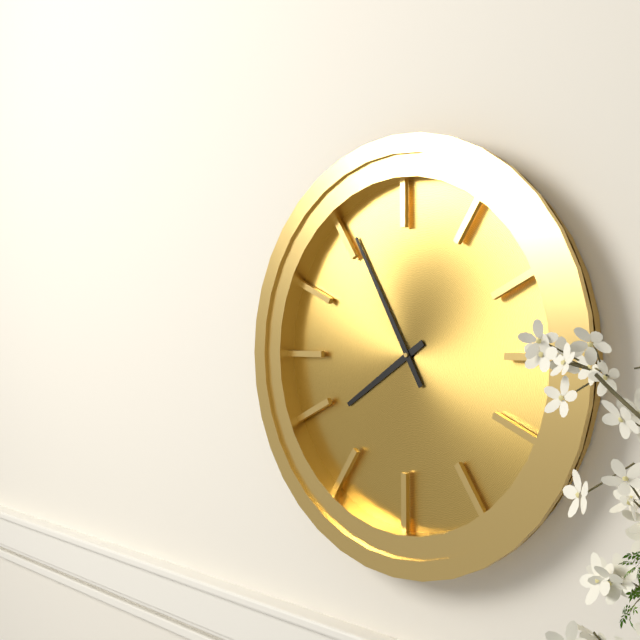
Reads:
{"hour": 7, "minute": 55}
